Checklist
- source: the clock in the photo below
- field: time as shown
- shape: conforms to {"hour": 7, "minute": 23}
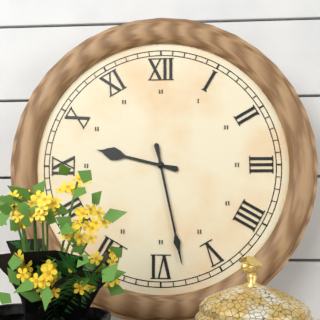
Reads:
{"hour": 9, "minute": 28}
